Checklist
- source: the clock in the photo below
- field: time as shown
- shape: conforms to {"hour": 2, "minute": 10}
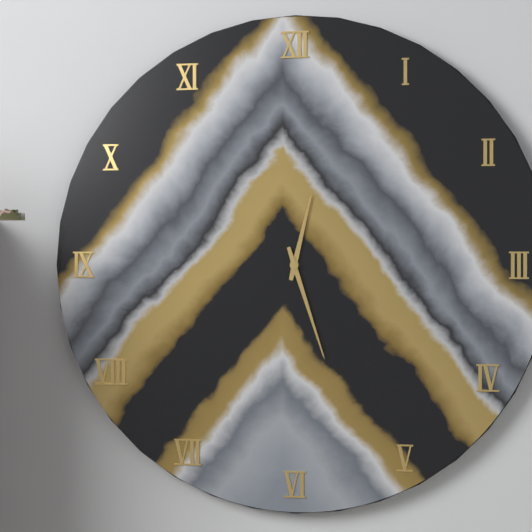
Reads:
{"hour": 12, "minute": 27}
